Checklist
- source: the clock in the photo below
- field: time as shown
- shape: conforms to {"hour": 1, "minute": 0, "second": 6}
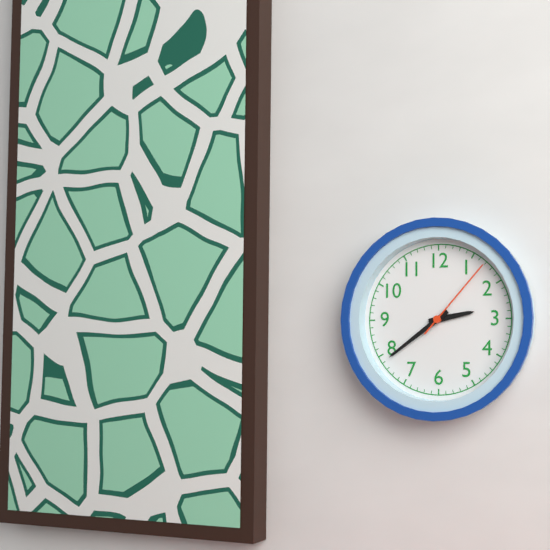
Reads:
{"hour": 2, "minute": 39, "second": 7}
